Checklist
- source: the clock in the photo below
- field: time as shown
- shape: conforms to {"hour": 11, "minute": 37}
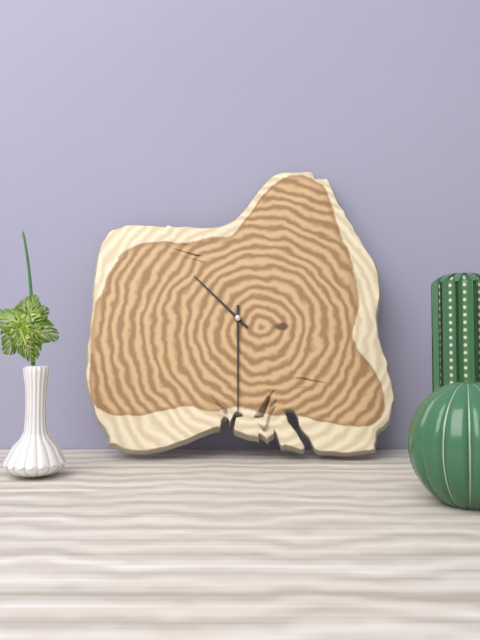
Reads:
{"hour": 10, "minute": 30}
